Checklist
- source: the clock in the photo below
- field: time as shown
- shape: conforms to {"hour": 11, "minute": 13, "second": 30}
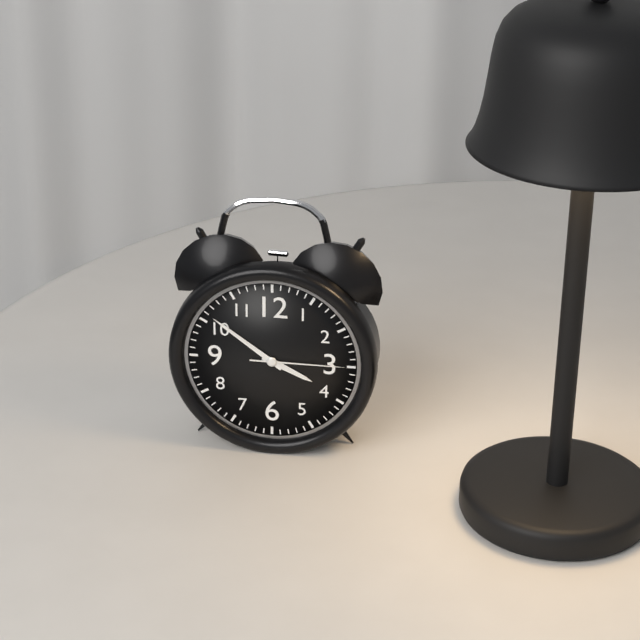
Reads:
{"hour": 3, "minute": 51, "second": 15}
